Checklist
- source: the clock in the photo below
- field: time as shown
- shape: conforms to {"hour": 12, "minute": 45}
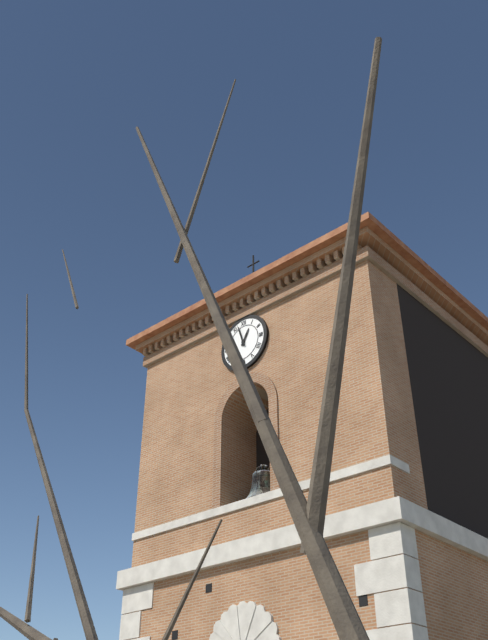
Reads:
{"hour": 12, "minute": 57}
